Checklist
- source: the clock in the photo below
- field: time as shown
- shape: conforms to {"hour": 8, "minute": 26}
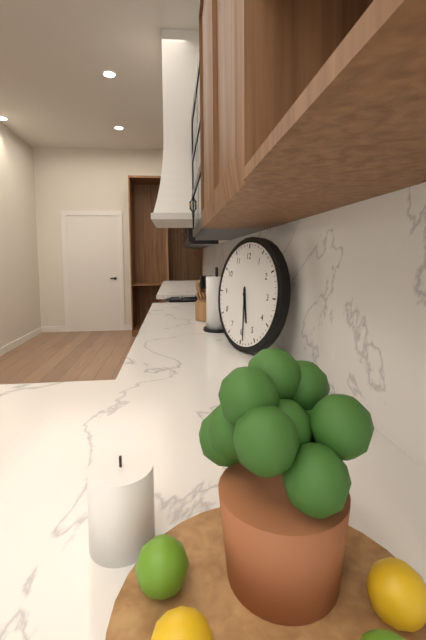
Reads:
{"hour": 5, "minute": 29}
